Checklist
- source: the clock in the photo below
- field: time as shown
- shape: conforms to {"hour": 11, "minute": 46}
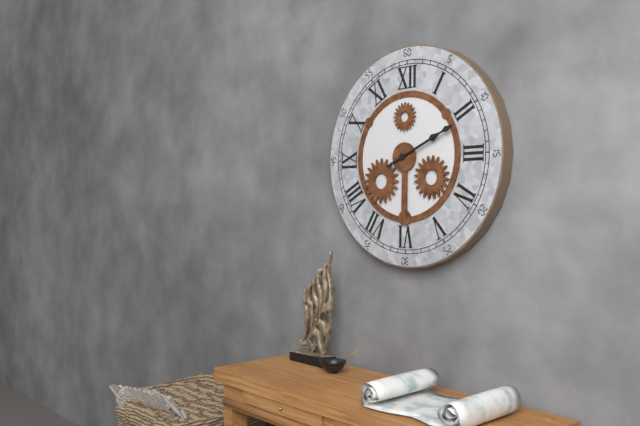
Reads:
{"hour": 2, "minute": 11}
